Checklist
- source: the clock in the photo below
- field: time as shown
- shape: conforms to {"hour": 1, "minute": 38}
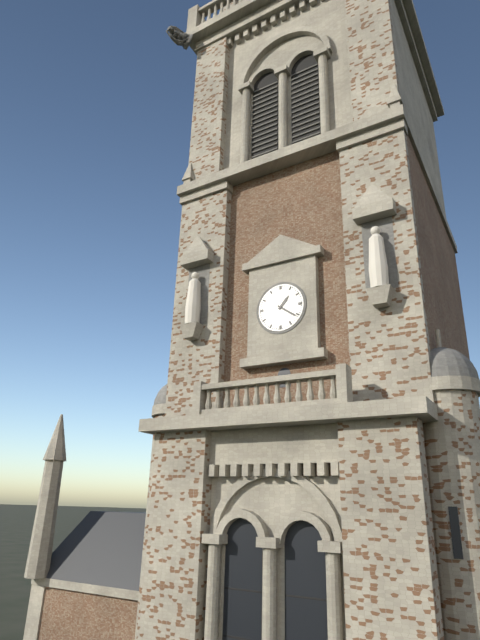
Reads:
{"hour": 1, "minute": 21}
